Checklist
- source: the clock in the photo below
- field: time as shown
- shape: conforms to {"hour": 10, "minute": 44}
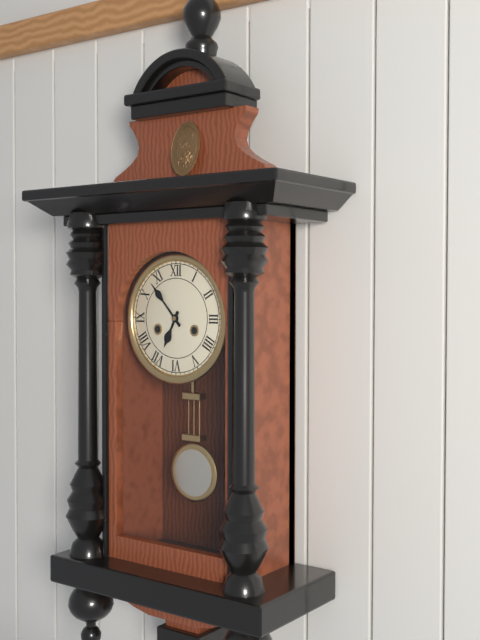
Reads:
{"hour": 6, "minute": 53}
